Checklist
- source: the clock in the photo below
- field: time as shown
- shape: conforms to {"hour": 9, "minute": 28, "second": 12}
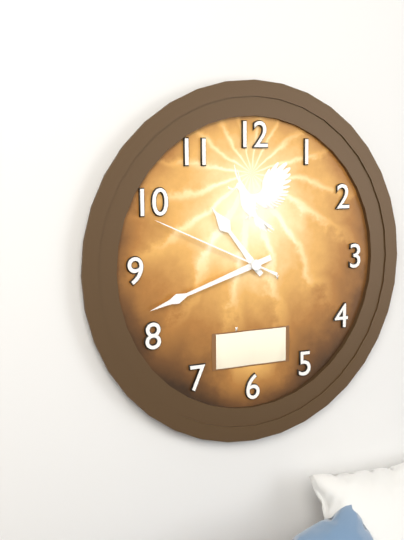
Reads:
{"hour": 10, "minute": 42, "second": 49}
